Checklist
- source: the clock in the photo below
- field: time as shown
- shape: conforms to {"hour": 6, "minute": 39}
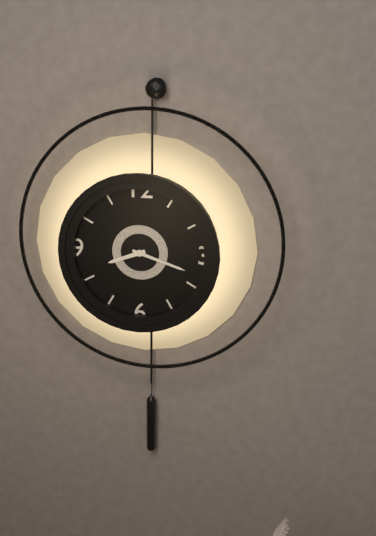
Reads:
{"hour": 8, "minute": 18}
